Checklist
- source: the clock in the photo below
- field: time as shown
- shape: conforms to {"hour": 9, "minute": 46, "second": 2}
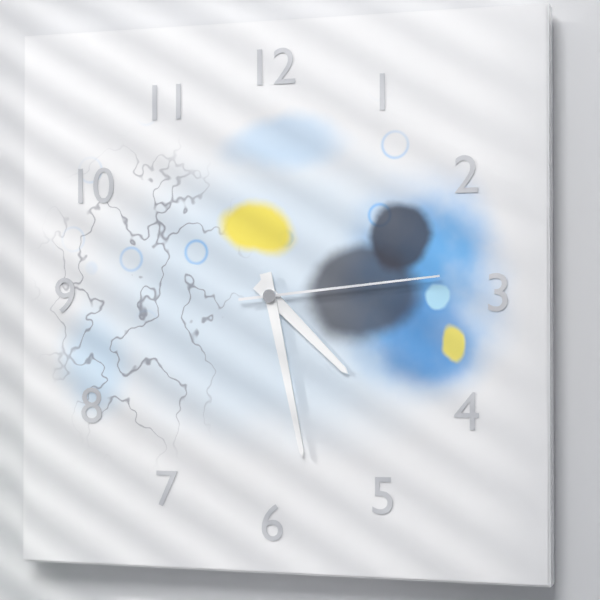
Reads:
{"hour": 4, "minute": 28, "second": 14}
